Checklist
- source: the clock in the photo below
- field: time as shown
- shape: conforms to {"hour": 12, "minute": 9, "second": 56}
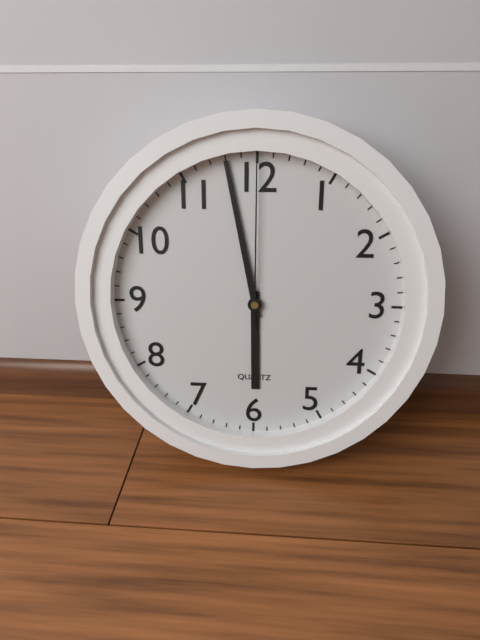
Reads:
{"hour": 5, "minute": 58, "second": 0}
